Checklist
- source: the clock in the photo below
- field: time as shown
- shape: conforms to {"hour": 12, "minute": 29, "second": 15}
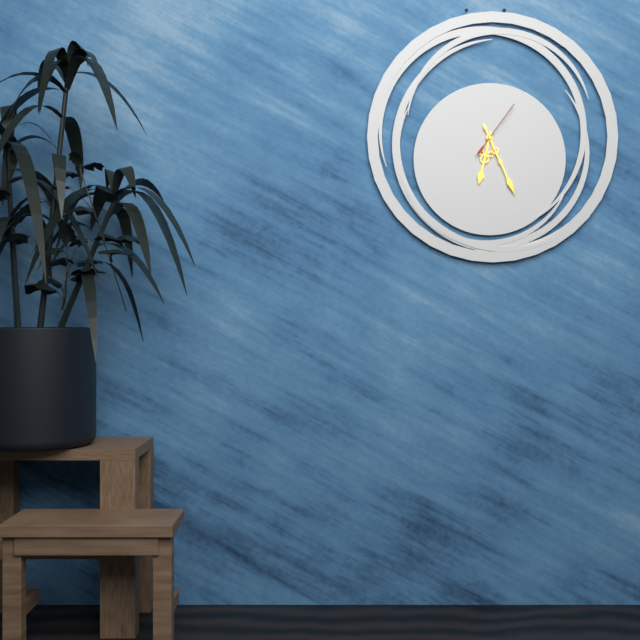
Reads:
{"hour": 6, "minute": 26, "second": 6}
